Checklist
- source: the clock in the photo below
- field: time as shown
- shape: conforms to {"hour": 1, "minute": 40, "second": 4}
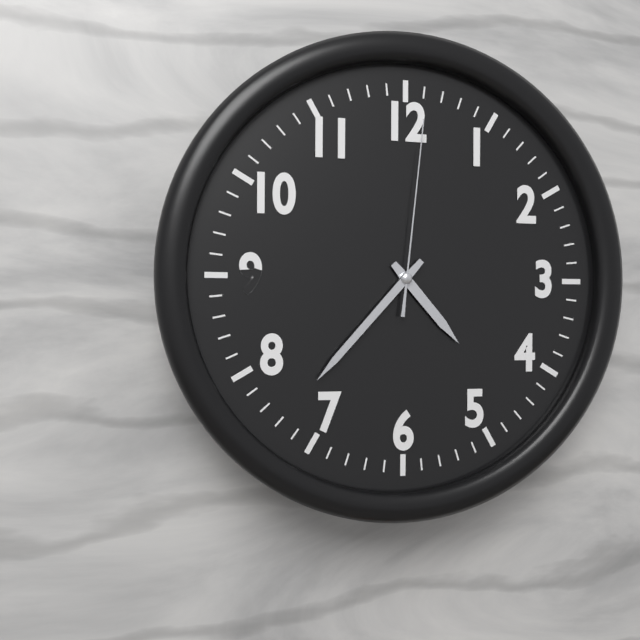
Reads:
{"hour": 4, "minute": 37, "second": 1}
